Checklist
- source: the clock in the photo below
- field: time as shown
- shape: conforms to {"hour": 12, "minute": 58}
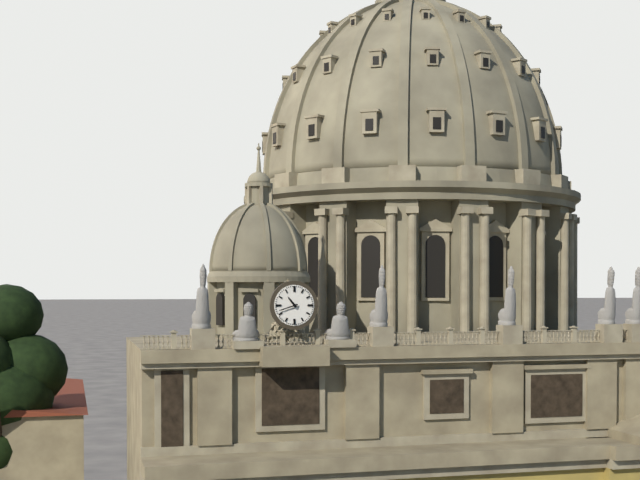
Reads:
{"hour": 10, "minute": 42}
